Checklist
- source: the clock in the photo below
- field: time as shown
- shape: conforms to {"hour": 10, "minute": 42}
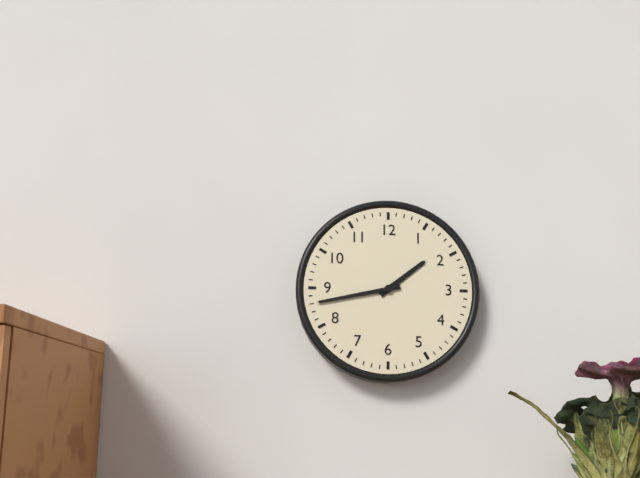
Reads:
{"hour": 1, "minute": 43}
